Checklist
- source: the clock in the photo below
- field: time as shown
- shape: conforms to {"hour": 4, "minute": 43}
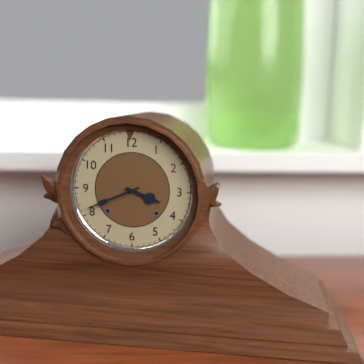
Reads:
{"hour": 3, "minute": 41}
